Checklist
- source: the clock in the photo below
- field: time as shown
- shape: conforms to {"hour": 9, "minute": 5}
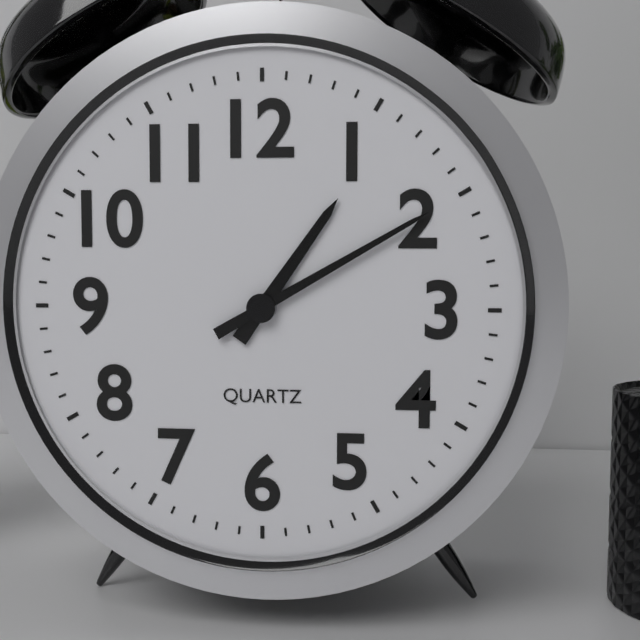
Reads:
{"hour": 1, "minute": 10}
